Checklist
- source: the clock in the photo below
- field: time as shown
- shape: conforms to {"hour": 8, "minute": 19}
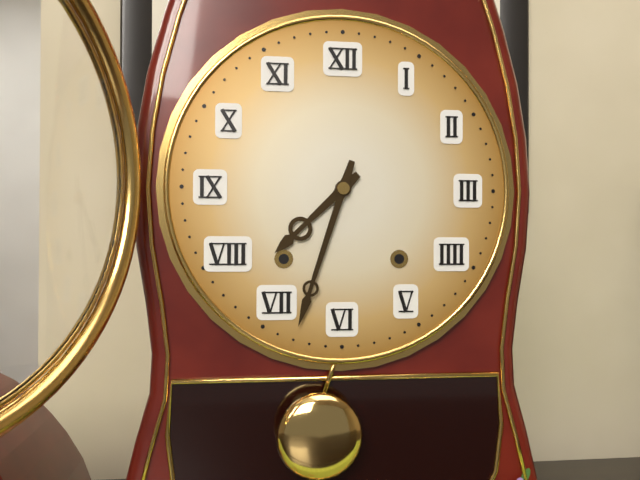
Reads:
{"hour": 7, "minute": 33}
